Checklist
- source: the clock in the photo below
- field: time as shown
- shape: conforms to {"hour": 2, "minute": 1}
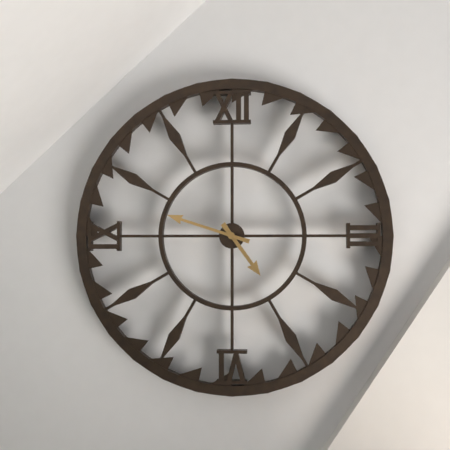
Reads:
{"hour": 4, "minute": 48}
